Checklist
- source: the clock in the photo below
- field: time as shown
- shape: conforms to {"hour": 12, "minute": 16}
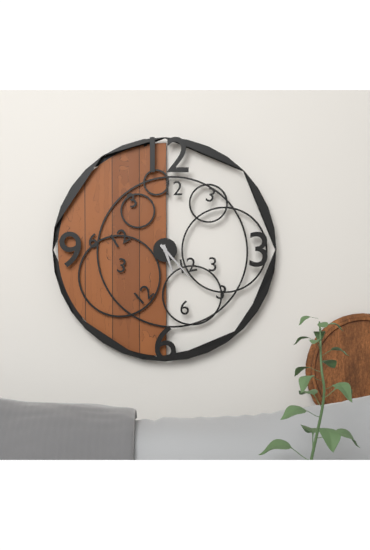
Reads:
{"hour": 5, "minute": 23}
